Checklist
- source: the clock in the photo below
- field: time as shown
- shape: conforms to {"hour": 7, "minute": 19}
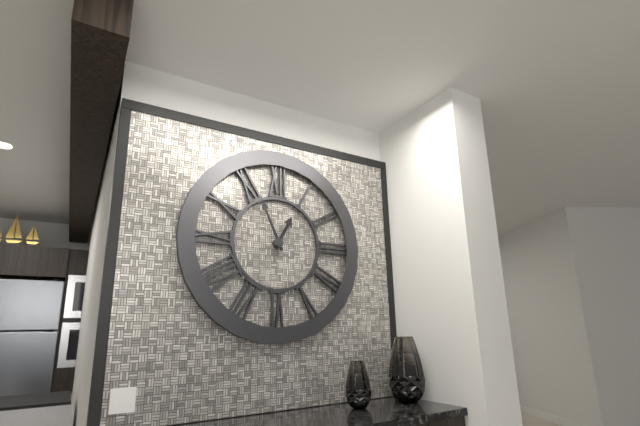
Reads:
{"hour": 12, "minute": 56}
